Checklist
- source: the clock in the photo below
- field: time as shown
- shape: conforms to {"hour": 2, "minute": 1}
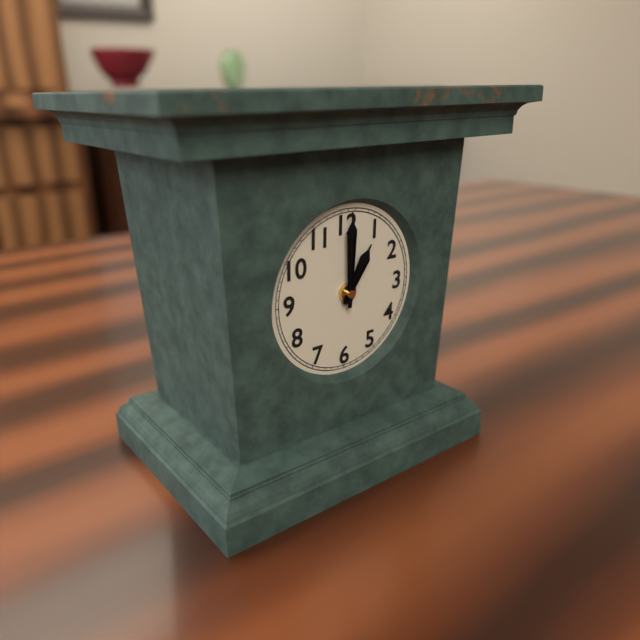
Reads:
{"hour": 1, "minute": 0}
